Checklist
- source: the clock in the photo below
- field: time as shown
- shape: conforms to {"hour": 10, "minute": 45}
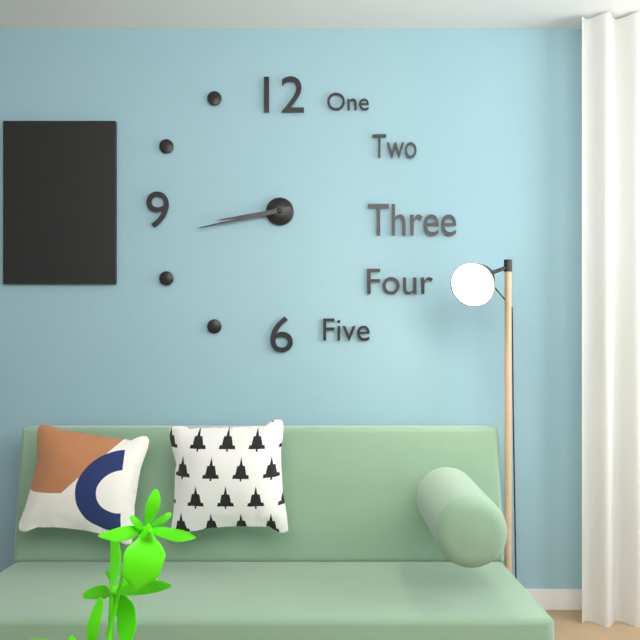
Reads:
{"hour": 8, "minute": 43}
